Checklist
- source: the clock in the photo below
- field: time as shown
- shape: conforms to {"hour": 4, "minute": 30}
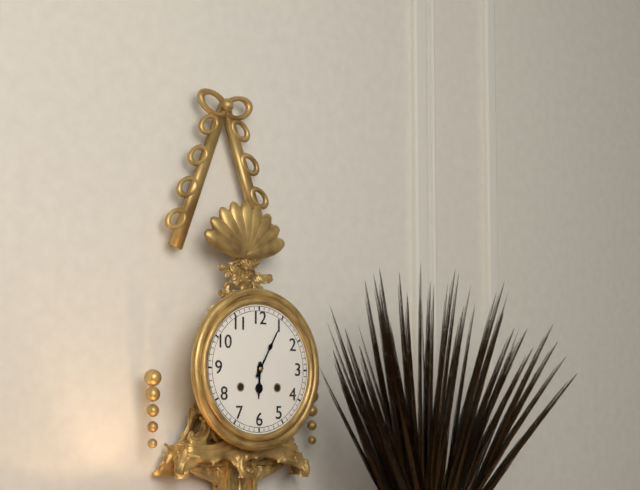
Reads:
{"hour": 6, "minute": 5}
